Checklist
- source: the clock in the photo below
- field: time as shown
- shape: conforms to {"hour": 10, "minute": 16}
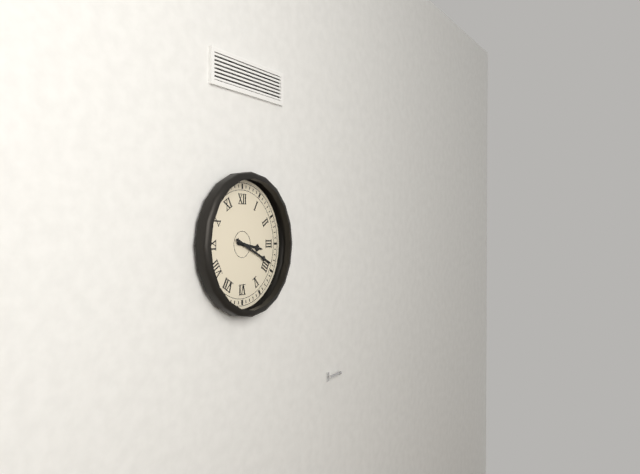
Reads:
{"hour": 3, "minute": 19}
